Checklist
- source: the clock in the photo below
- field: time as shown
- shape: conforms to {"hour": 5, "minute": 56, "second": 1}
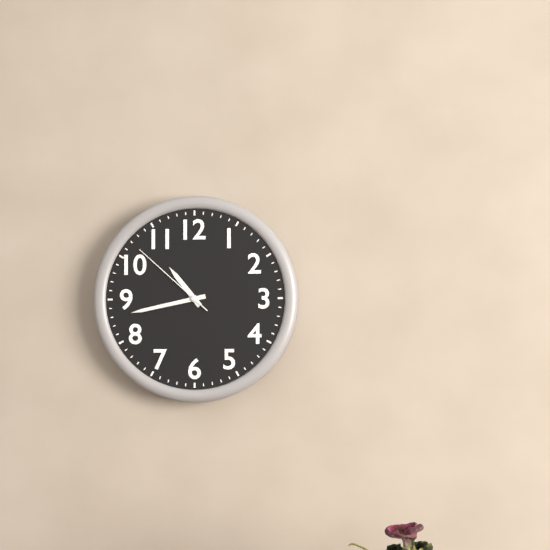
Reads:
{"hour": 10, "minute": 43, "second": 52}
